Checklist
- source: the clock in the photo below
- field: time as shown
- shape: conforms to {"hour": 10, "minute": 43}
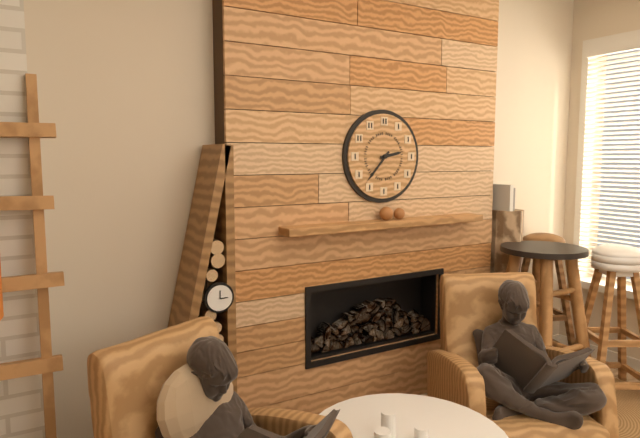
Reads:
{"hour": 2, "minute": 37}
